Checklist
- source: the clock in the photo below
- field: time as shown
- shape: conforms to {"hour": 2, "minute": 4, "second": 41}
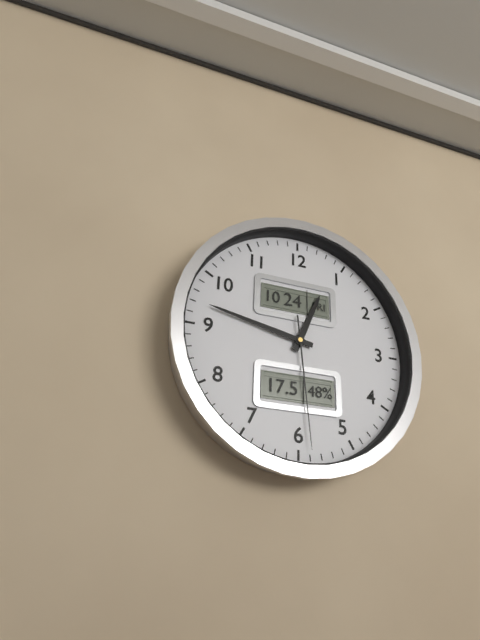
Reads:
{"hour": 12, "minute": 47, "second": 29}
